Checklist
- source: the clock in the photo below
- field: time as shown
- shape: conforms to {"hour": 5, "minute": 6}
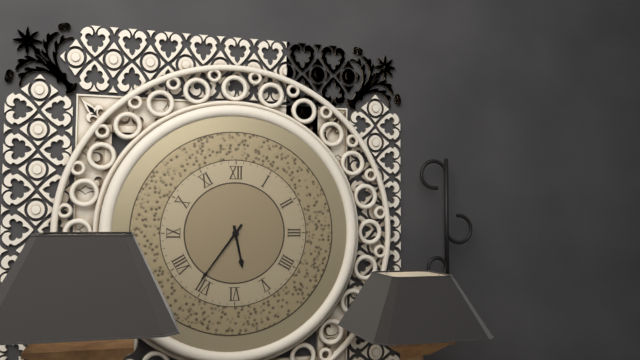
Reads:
{"hour": 5, "minute": 36}
